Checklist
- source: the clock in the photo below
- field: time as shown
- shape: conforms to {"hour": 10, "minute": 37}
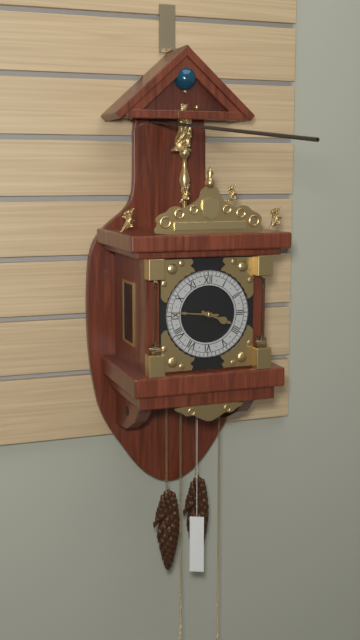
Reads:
{"hour": 3, "minute": 46}
